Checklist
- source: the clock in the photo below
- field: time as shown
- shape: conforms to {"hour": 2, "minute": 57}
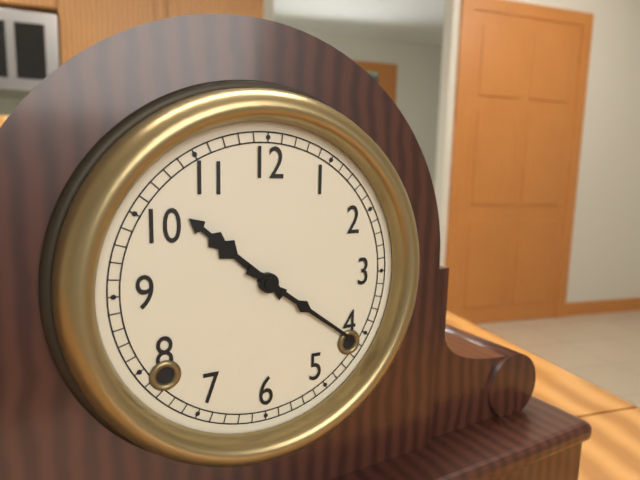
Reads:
{"hour": 10, "minute": 21}
